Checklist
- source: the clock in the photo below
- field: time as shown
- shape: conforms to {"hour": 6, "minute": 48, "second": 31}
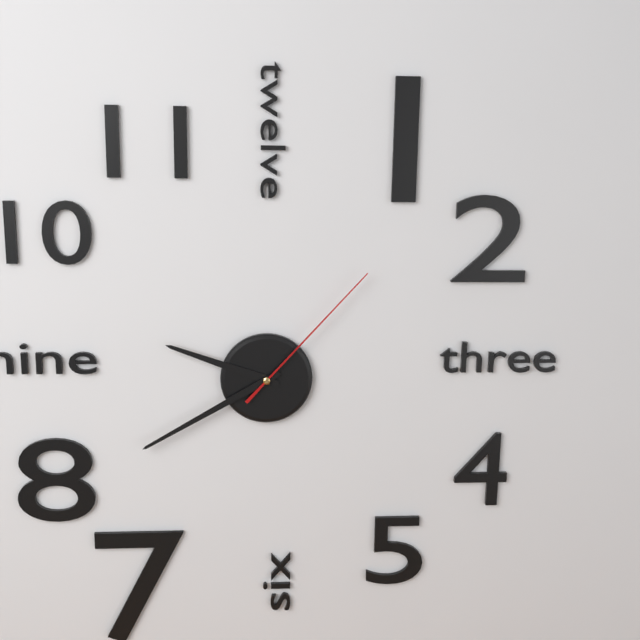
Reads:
{"hour": 9, "minute": 40, "second": 7}
